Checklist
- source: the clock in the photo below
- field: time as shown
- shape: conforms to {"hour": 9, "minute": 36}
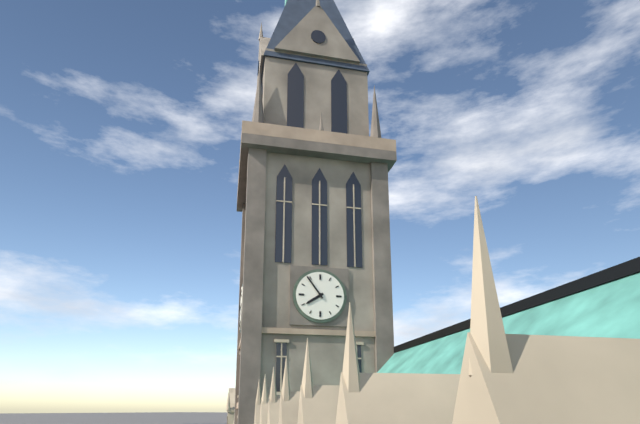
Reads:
{"hour": 7, "minute": 54}
